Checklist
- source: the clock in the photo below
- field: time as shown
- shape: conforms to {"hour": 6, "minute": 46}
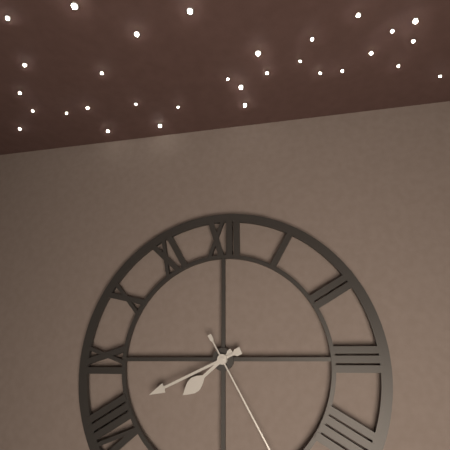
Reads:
{"hour": 7, "minute": 41}
